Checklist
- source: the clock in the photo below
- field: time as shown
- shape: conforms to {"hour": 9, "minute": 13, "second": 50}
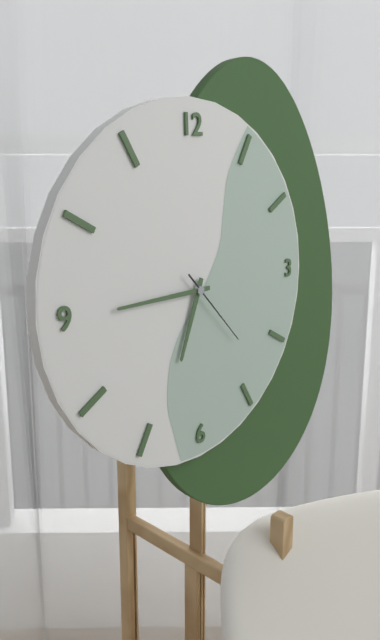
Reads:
{"hour": 6, "minute": 45, "second": 23}
